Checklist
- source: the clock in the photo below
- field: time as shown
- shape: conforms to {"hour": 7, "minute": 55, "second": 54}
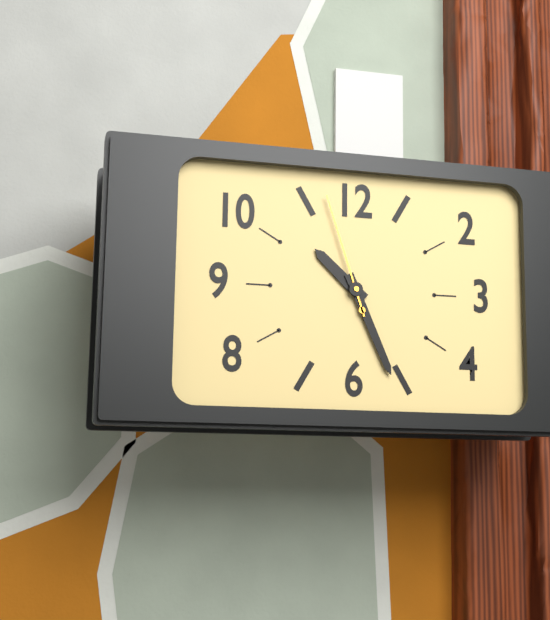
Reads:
{"hour": 10, "minute": 26, "second": 57}
